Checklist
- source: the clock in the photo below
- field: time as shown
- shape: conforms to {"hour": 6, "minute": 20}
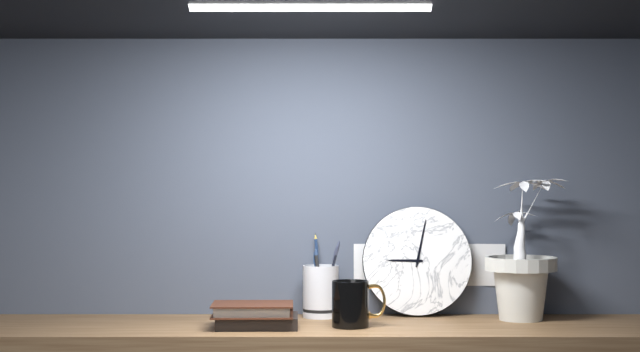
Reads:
{"hour": 9, "minute": 2}
